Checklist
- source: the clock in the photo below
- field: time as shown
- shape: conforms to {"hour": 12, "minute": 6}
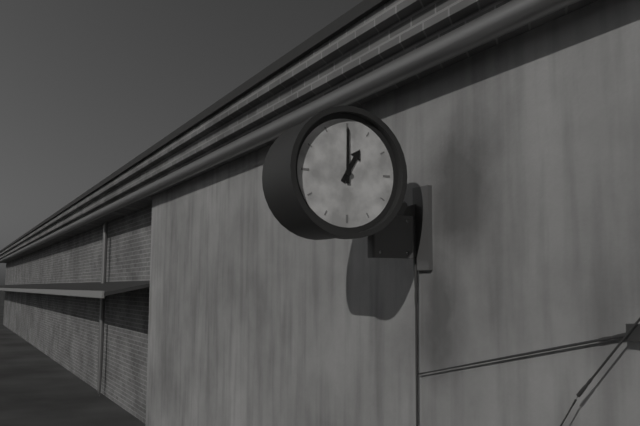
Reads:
{"hour": 1, "minute": 0}
